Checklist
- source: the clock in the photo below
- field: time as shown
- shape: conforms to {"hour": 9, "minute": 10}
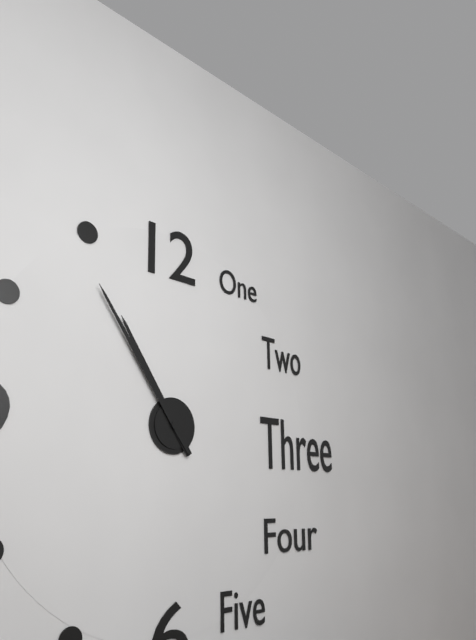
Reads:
{"hour": 10, "minute": 54}
